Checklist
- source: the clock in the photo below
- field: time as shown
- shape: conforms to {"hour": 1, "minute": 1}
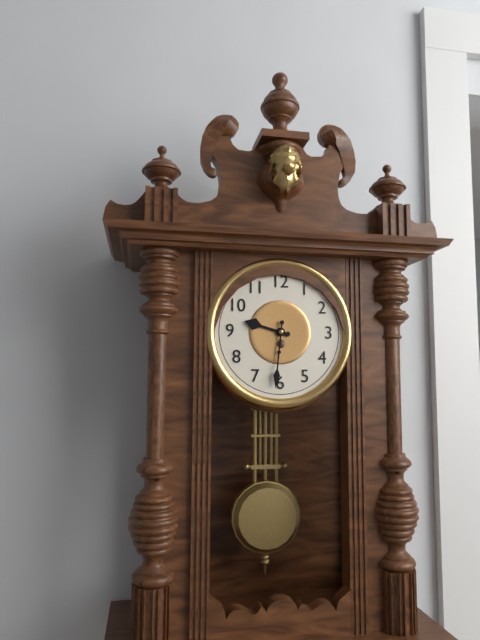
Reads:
{"hour": 9, "minute": 31}
